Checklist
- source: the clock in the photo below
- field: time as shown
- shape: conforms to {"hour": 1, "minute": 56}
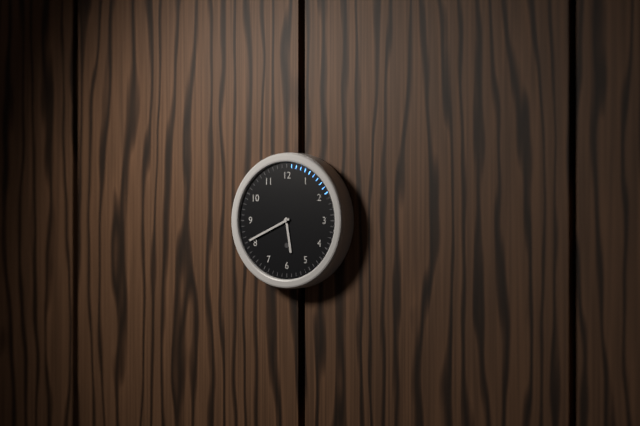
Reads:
{"hour": 5, "minute": 41}
